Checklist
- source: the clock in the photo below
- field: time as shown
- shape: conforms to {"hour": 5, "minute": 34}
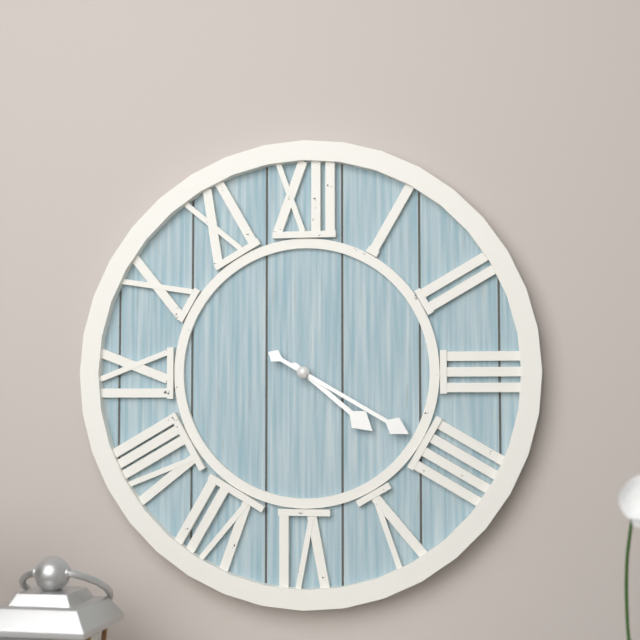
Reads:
{"hour": 4, "minute": 20}
